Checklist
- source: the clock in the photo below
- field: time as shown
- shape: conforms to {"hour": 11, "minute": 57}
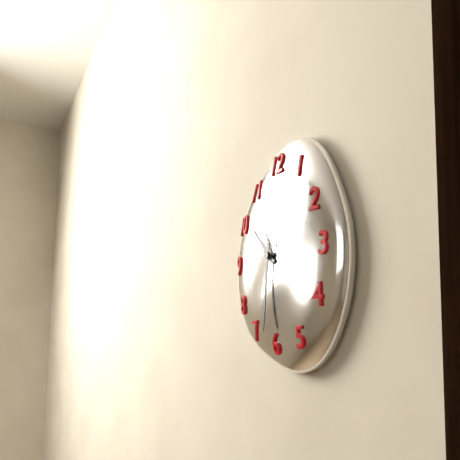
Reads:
{"hour": 10, "minute": 31}
